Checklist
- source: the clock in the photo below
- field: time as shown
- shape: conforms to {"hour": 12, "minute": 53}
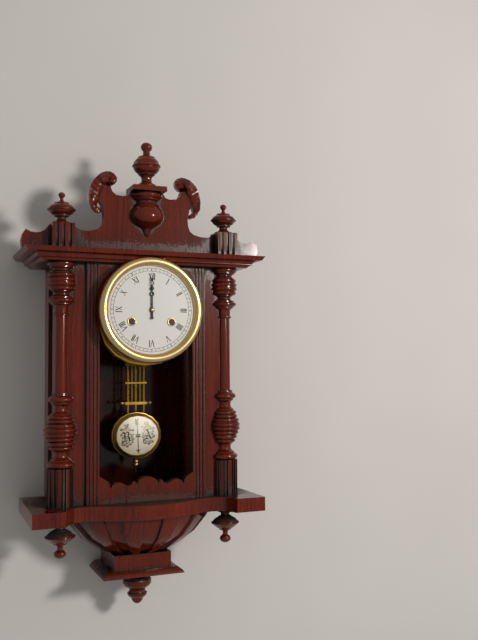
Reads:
{"hour": 12, "minute": 0}
